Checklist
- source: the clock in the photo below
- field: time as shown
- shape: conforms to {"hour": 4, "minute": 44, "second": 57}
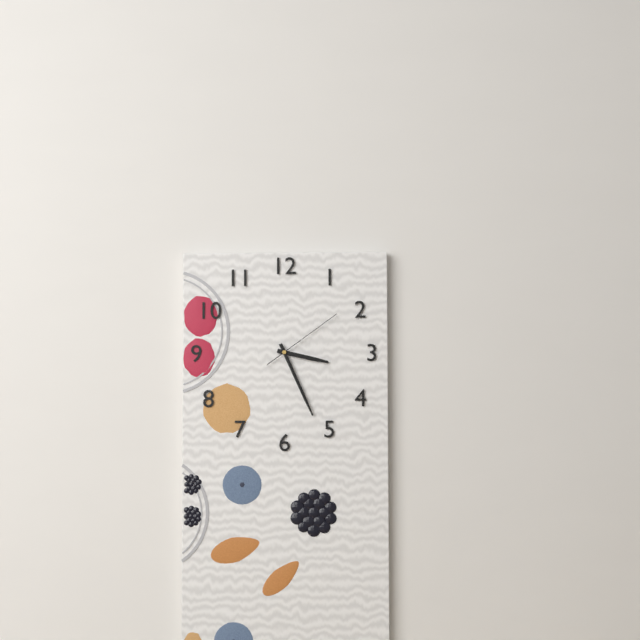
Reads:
{"hour": 3, "minute": 26, "second": 9}
